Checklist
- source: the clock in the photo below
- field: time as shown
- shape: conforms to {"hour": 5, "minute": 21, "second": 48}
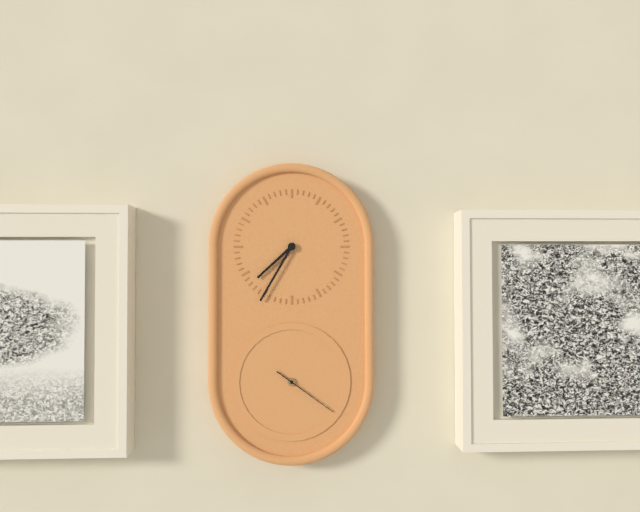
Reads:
{"hour": 7, "minute": 35, "second": 21}
